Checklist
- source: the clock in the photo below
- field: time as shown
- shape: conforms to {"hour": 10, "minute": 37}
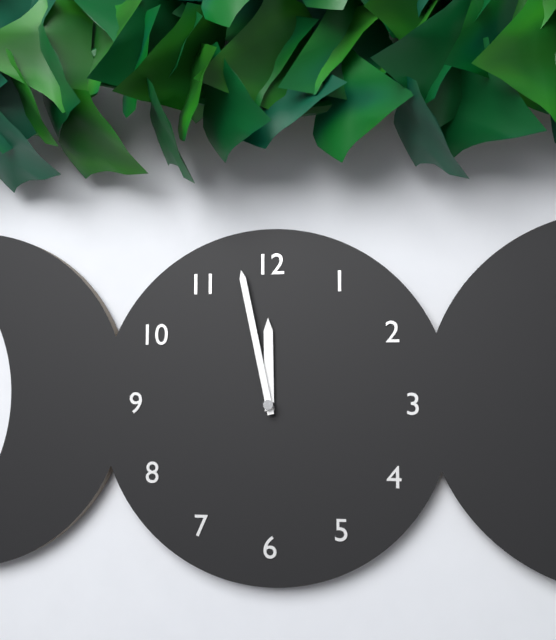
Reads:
{"hour": 11, "minute": 58}
